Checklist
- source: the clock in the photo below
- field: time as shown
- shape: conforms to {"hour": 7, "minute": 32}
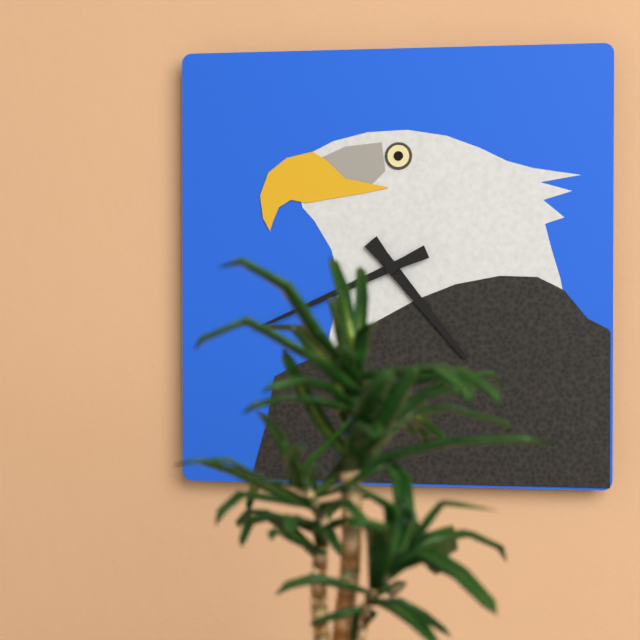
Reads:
{"hour": 4, "minute": 41}
